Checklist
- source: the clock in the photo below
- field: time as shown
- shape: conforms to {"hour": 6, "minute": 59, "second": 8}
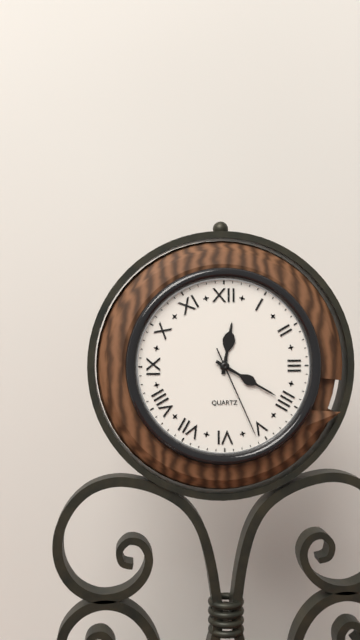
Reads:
{"hour": 12, "minute": 20, "second": 26}
